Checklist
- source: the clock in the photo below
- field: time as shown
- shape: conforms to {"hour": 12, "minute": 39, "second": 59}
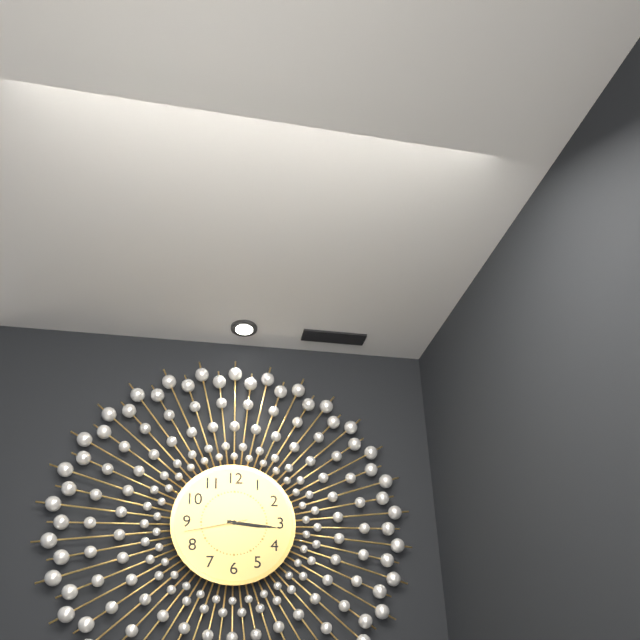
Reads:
{"hour": 3, "minute": 16, "second": 43}
